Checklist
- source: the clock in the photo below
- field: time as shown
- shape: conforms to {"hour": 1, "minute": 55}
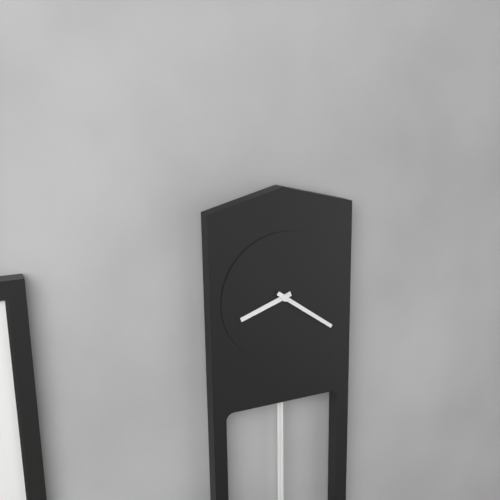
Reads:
{"hour": 8, "minute": 21}
